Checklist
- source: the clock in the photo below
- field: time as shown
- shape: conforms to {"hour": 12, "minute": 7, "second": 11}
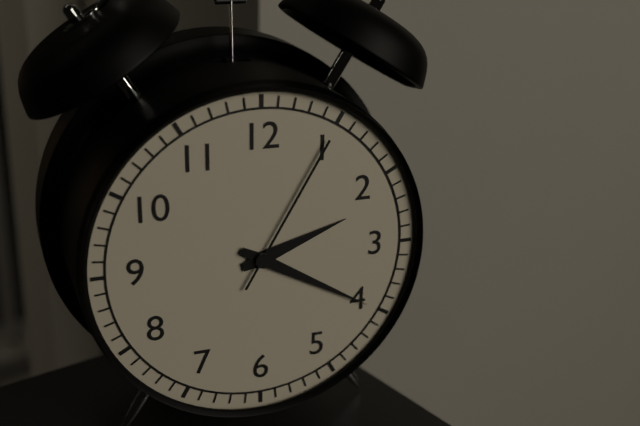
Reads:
{"hour": 2, "minute": 20, "second": 5}
